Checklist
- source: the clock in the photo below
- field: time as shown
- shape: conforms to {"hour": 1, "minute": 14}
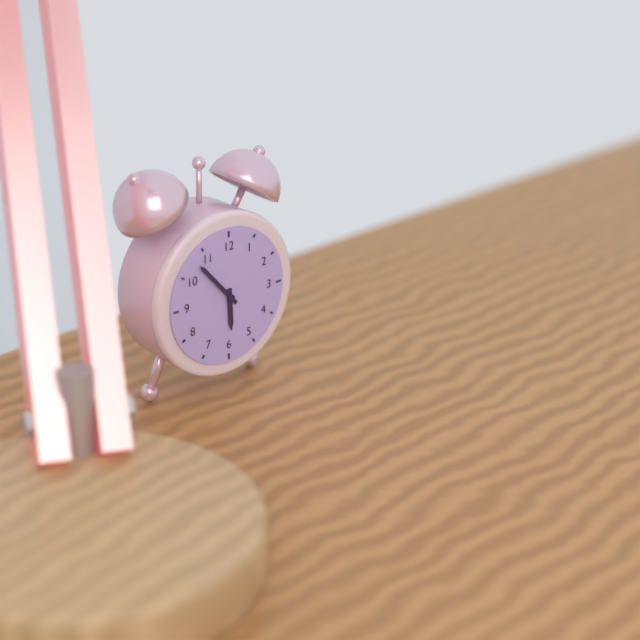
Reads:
{"hour": 5, "minute": 53}
